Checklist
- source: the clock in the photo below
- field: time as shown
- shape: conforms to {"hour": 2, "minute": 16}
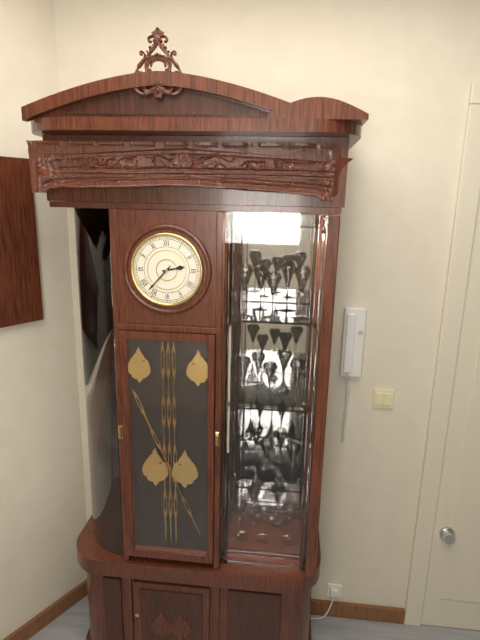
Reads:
{"hour": 2, "minute": 37}
